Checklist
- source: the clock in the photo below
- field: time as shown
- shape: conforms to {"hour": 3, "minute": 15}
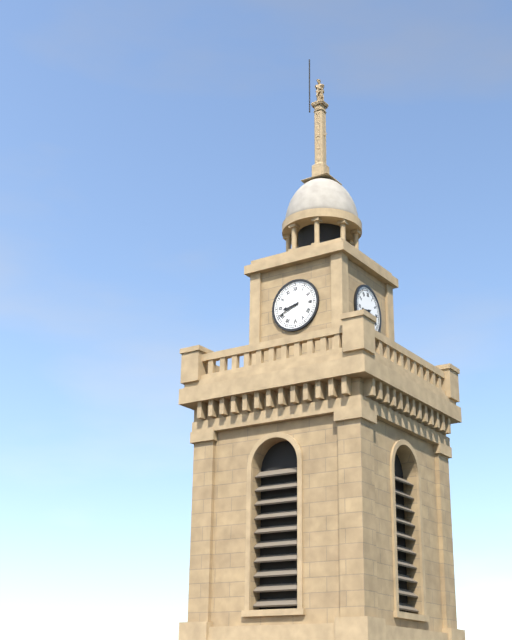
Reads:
{"hour": 8, "minute": 41}
